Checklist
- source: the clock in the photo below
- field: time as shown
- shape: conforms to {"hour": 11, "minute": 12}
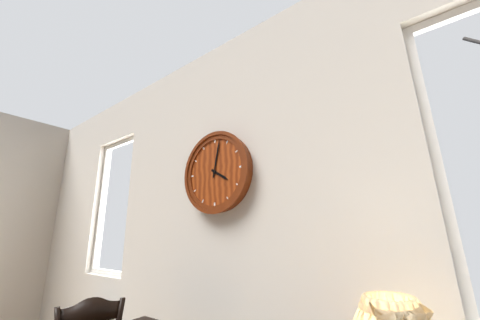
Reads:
{"hour": 4, "minute": 2}
